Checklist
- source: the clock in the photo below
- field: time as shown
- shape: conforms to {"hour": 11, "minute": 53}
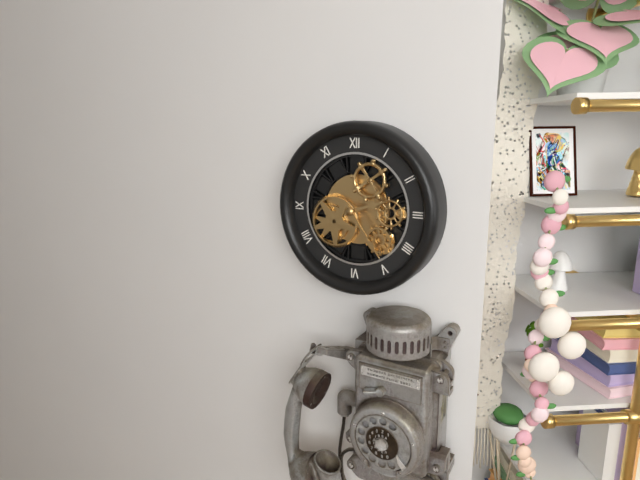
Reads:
{"hour": 2, "minute": 24}
